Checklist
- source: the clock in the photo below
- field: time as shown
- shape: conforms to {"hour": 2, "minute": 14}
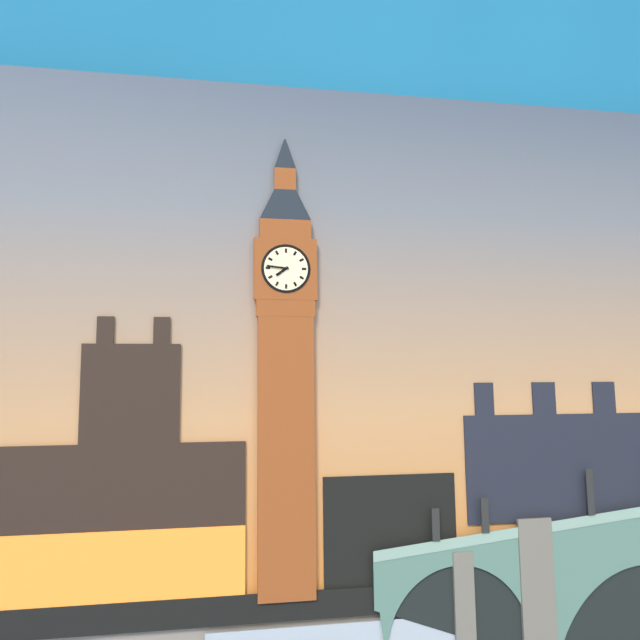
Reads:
{"hour": 7, "minute": 46}
